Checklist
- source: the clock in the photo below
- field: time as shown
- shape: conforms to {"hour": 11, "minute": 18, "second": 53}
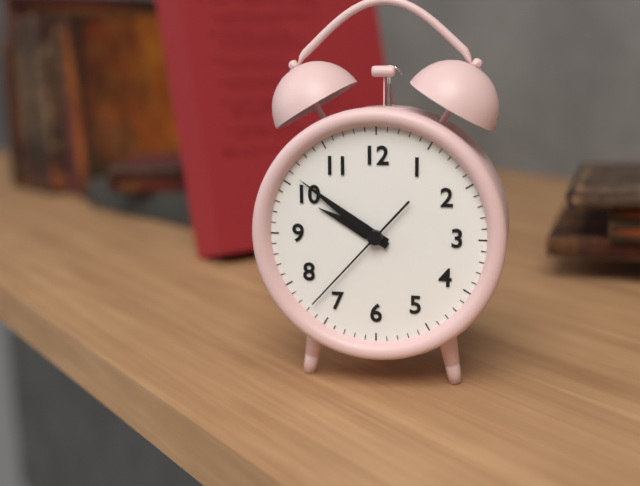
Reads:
{"hour": 9, "minute": 51, "second": 37}
